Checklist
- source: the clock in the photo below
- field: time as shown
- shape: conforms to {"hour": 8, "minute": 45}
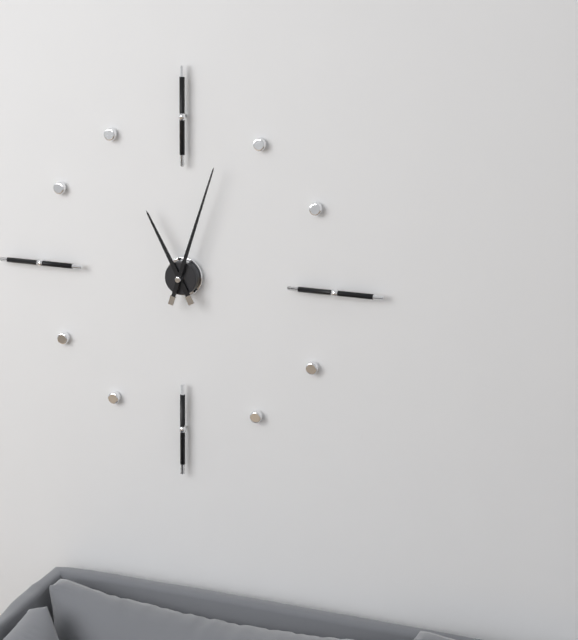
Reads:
{"hour": 11, "minute": 3}
